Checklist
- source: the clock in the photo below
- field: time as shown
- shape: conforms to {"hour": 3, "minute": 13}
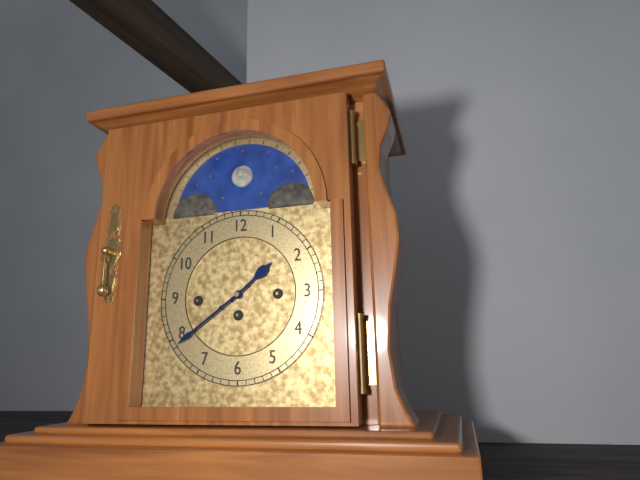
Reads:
{"hour": 1, "minute": 39}
